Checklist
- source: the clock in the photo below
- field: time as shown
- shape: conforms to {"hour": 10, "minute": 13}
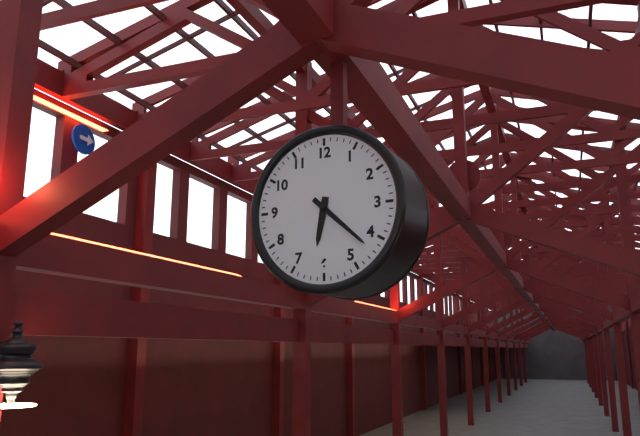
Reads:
{"hour": 6, "minute": 22}
